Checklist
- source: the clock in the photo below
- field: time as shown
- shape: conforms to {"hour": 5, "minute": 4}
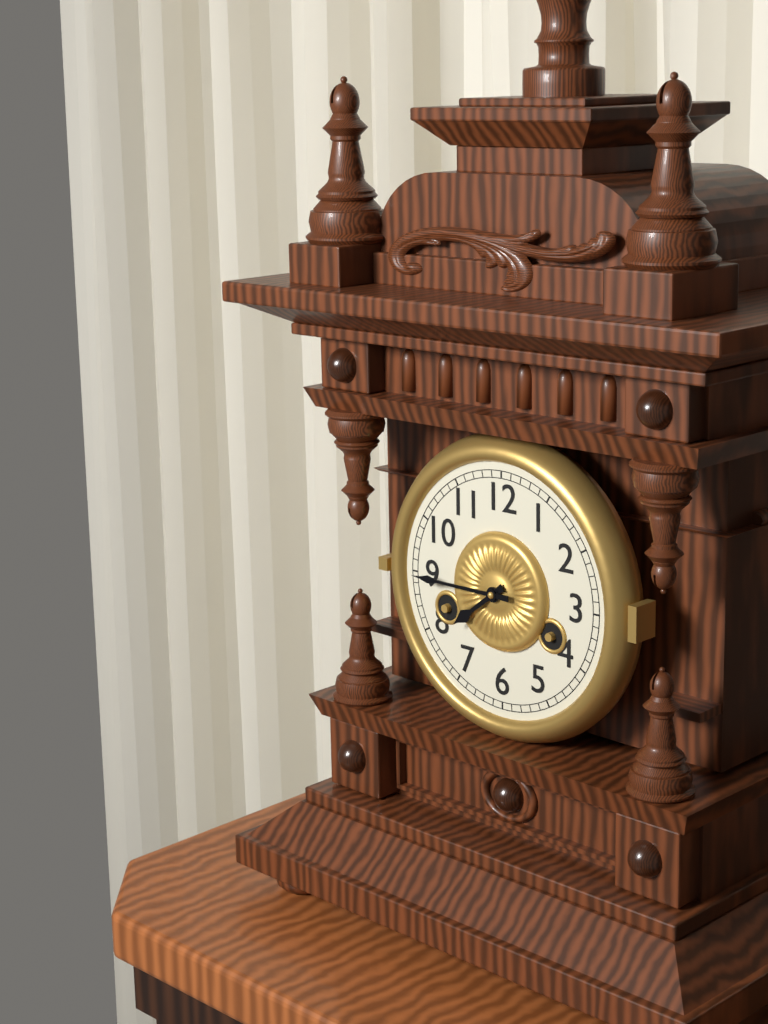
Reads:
{"hour": 7, "minute": 45}
